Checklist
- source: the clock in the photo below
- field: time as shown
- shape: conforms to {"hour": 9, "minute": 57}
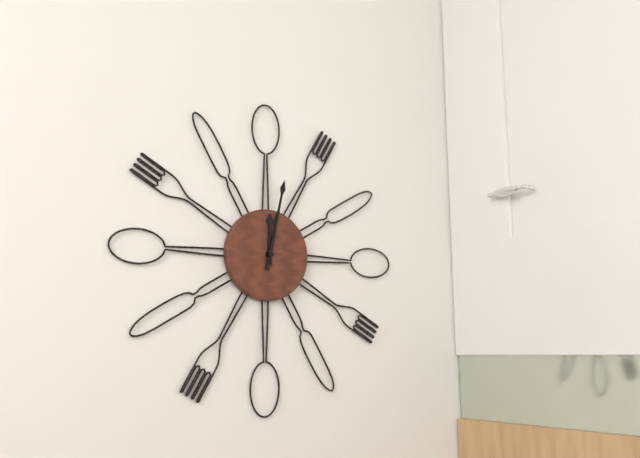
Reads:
{"hour": 12, "minute": 2}
